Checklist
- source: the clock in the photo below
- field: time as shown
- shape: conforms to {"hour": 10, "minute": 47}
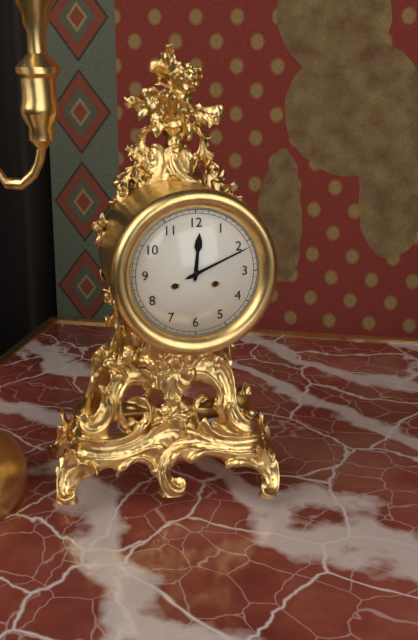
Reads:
{"hour": 12, "minute": 11}
